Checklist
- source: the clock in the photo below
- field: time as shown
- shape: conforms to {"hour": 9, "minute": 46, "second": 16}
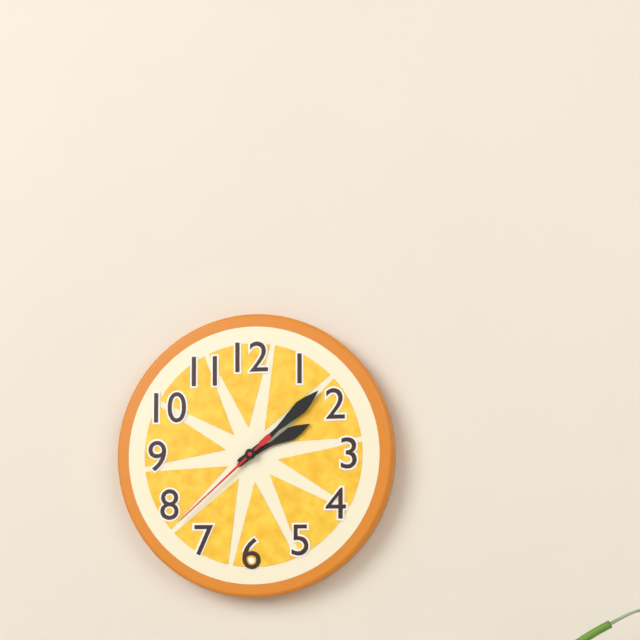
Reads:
{"hour": 2, "minute": 8, "second": 38}
